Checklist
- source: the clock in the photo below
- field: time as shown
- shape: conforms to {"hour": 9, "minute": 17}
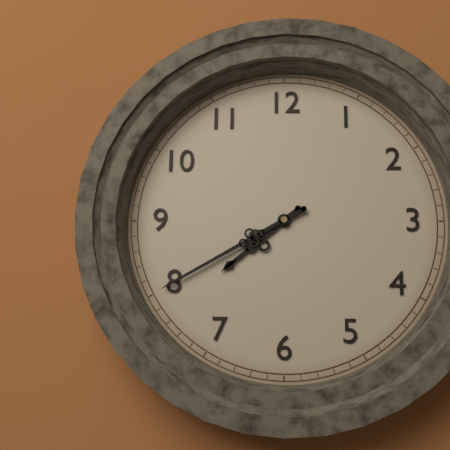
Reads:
{"hour": 7, "minute": 40}
